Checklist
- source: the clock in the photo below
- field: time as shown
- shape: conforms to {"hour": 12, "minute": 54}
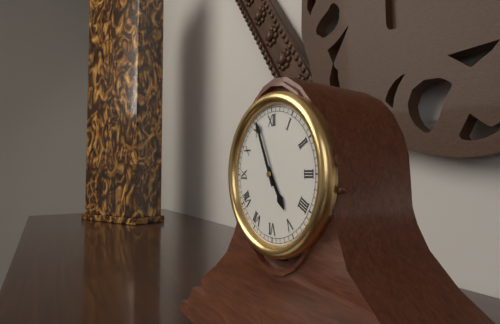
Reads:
{"hour": 4, "minute": 56}
